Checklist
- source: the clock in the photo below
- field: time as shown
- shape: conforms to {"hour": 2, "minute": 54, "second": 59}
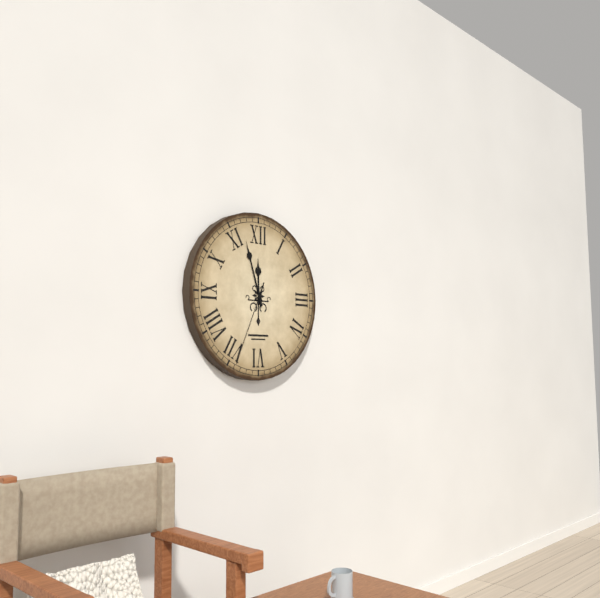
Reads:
{"hour": 11, "minute": 57, "second": 34}
